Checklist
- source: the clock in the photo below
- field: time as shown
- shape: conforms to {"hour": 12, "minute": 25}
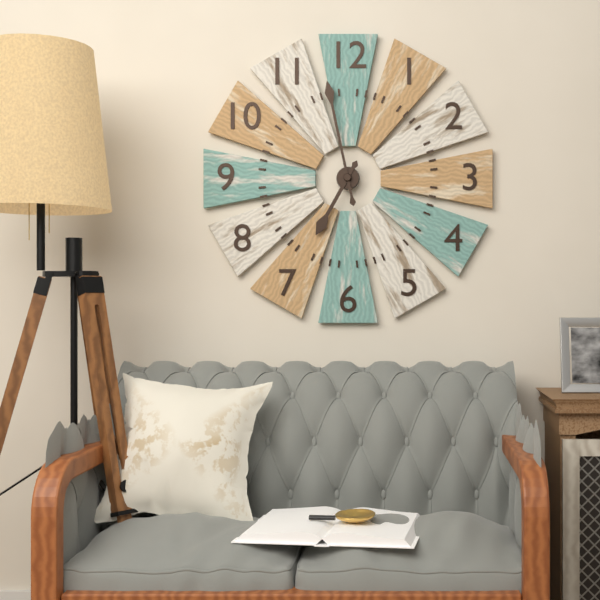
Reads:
{"hour": 6, "minute": 58}
